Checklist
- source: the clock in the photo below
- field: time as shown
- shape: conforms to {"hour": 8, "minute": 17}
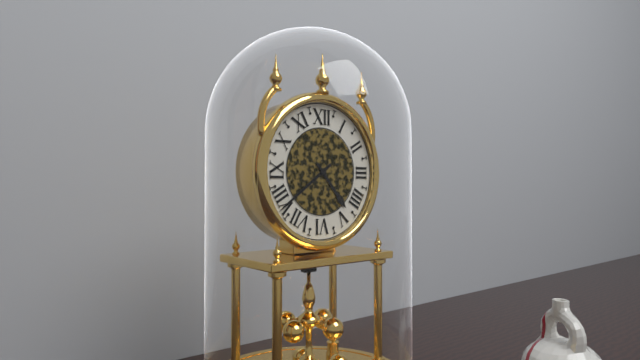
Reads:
{"hour": 4, "minute": 39}
